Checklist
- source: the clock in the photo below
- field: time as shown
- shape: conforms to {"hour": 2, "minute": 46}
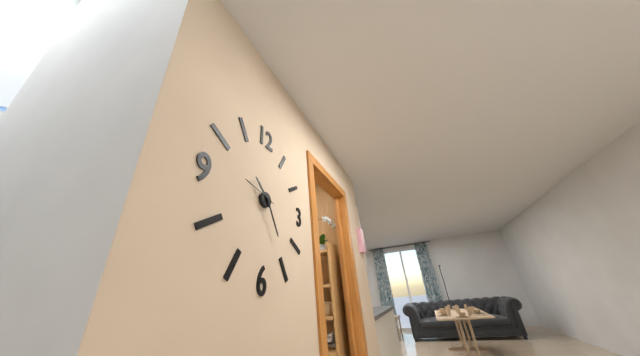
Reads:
{"hour": 10, "minute": 25}
